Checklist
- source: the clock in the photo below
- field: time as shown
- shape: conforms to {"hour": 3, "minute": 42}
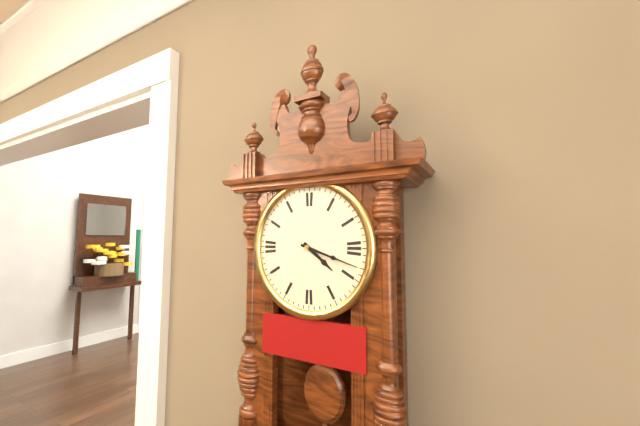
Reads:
{"hour": 4, "minute": 18}
